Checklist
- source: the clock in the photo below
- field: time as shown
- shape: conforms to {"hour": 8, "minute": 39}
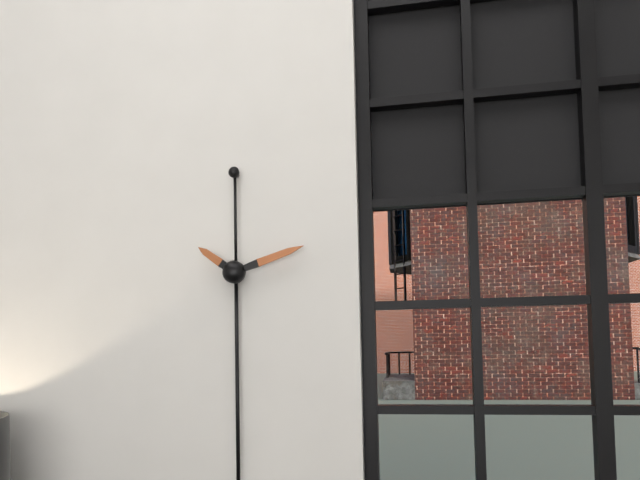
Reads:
{"hour": 10, "minute": 12}
